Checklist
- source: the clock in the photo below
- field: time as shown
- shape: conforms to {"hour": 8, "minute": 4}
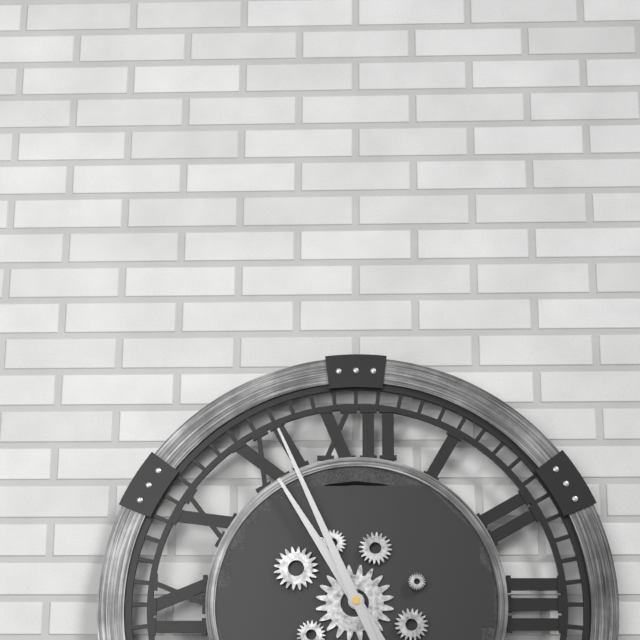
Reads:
{"hour": 10, "minute": 56}
